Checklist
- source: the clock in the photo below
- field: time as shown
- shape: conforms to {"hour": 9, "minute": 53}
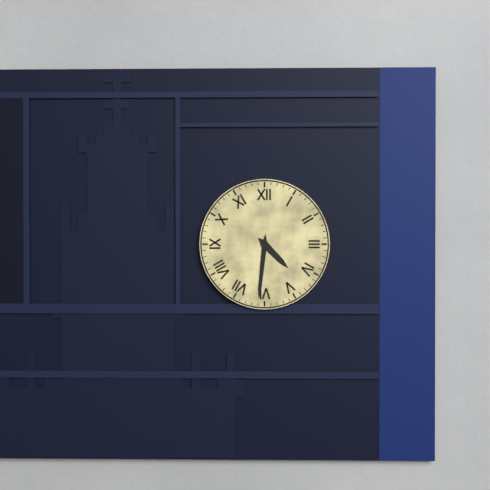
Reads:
{"hour": 4, "minute": 31}
